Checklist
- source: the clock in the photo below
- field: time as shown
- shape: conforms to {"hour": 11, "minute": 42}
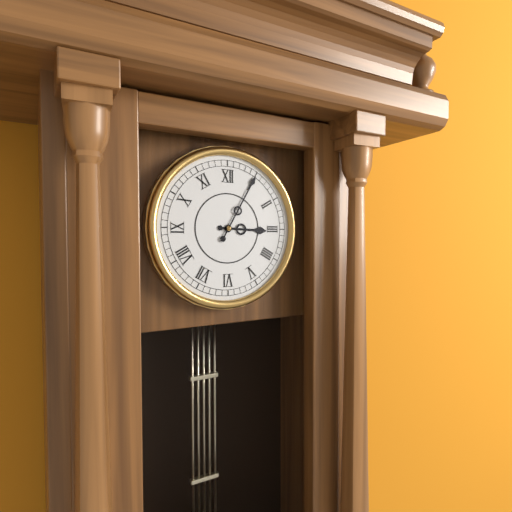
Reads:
{"hour": 3, "minute": 5}
